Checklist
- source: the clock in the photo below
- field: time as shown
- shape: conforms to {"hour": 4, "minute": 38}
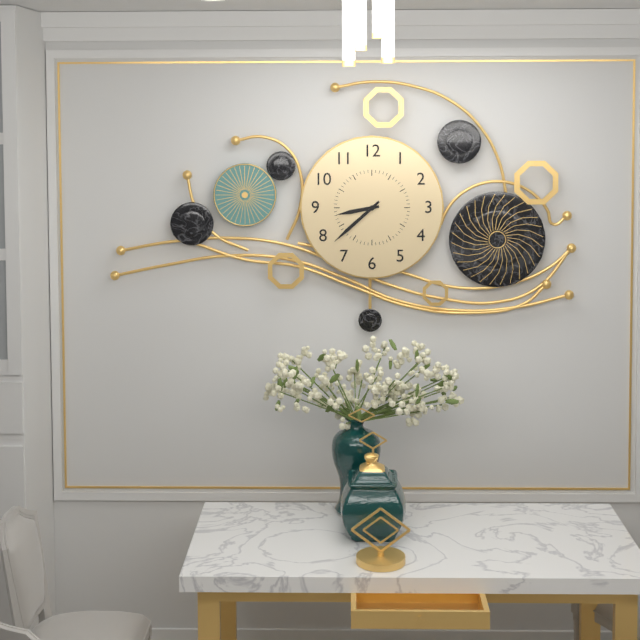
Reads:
{"hour": 8, "minute": 38}
